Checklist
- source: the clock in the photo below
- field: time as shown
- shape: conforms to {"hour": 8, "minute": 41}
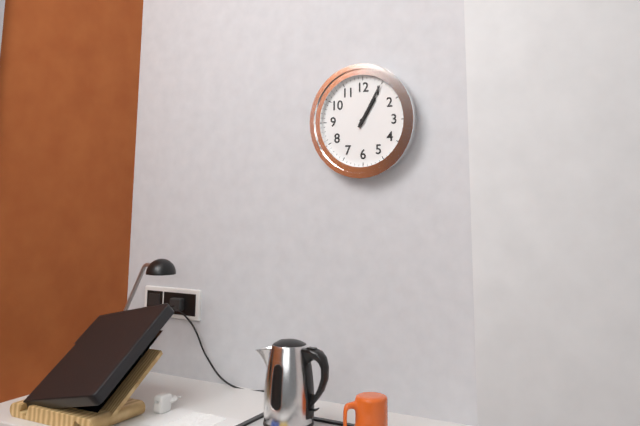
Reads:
{"hour": 1, "minute": 5}
